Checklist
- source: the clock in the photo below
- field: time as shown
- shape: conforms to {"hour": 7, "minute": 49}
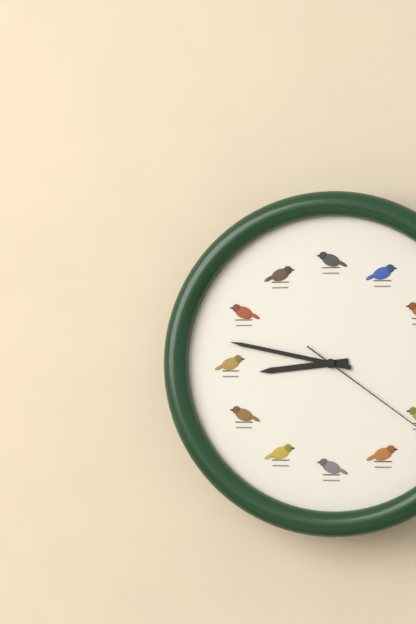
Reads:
{"hour": 8, "minute": 47}
